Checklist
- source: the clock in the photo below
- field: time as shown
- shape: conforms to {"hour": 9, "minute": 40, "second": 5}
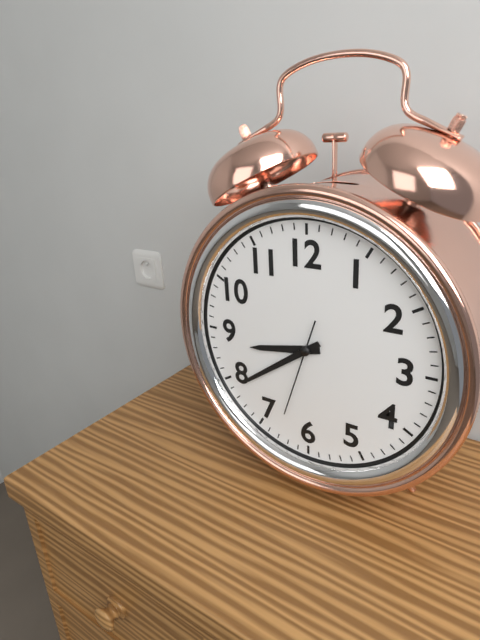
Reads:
{"hour": 8, "minute": 39, "second": 33}
